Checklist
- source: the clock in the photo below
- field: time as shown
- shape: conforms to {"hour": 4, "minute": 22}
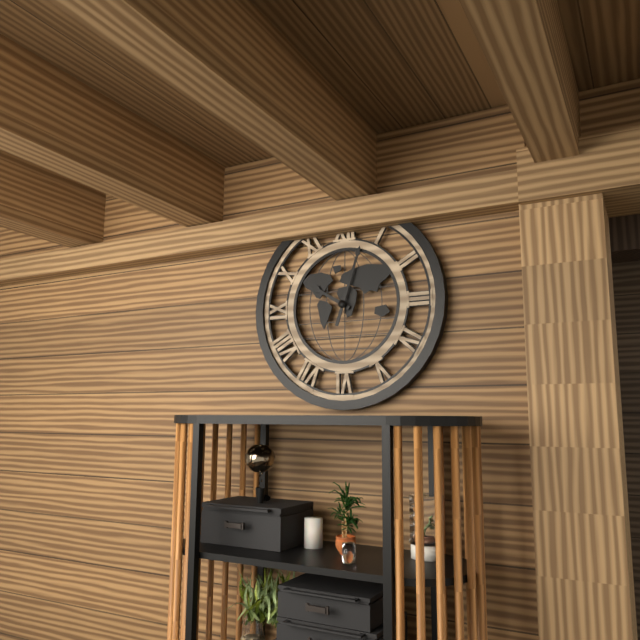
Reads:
{"hour": 10, "minute": 3}
